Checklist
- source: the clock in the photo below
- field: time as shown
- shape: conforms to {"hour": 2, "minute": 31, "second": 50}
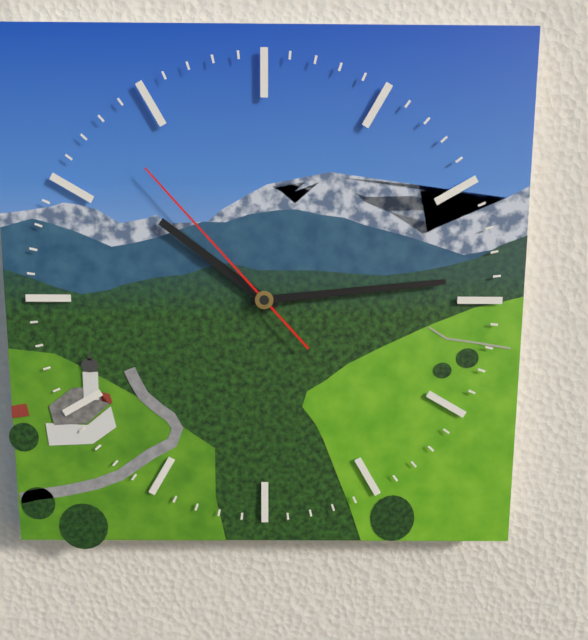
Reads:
{"hour": 10, "minute": 14, "second": 53}
